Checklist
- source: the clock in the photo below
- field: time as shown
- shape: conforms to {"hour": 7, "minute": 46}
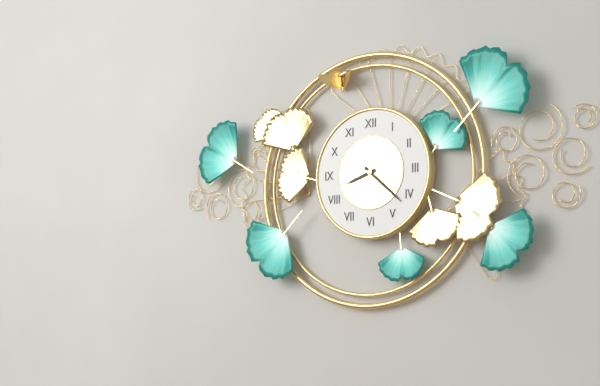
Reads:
{"hour": 8, "minute": 22}
